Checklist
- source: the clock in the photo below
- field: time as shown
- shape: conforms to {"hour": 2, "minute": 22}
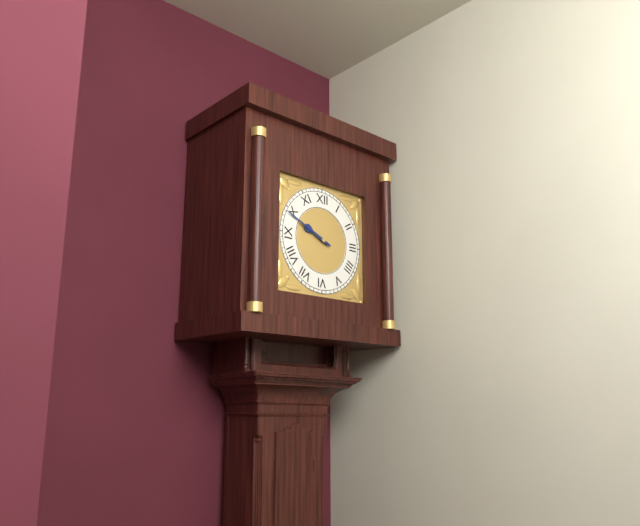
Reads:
{"hour": 9, "minute": 49}
